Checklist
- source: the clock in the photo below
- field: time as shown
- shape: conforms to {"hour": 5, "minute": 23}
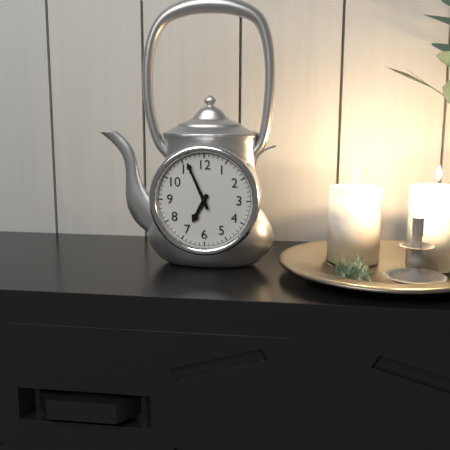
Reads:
{"hour": 6, "minute": 56}
